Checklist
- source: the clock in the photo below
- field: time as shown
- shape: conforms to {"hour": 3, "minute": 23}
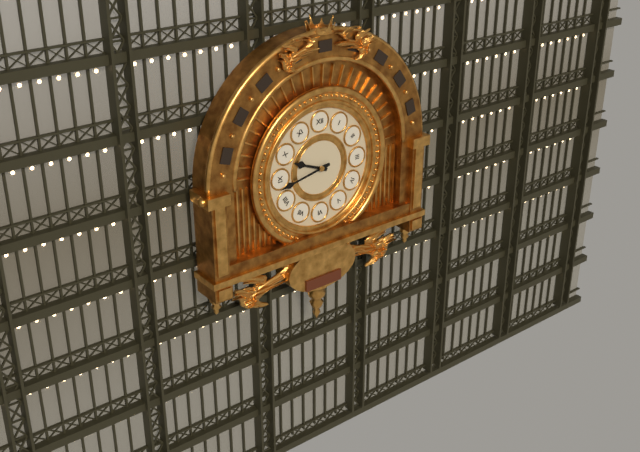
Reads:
{"hour": 9, "minute": 43}
